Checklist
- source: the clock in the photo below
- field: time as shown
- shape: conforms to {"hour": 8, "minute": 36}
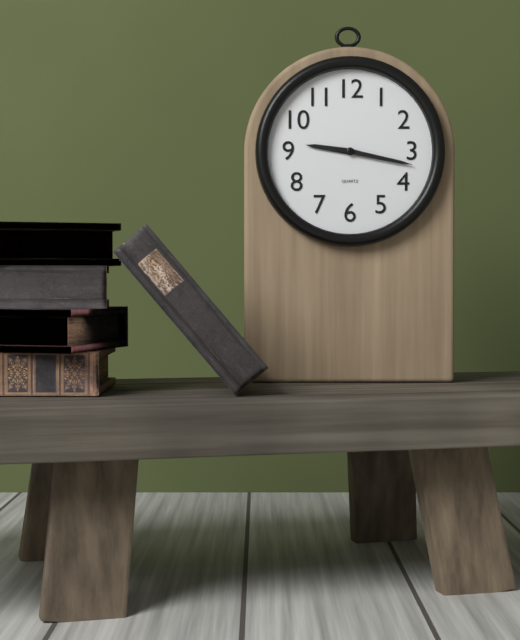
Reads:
{"hour": 9, "minute": 17}
